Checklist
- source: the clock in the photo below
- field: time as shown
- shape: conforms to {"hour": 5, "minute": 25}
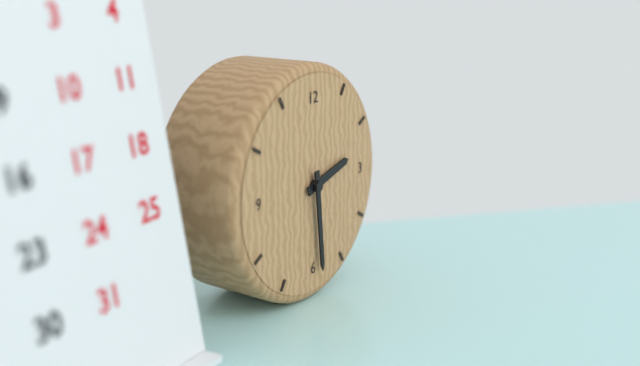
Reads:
{"hour": 2, "minute": 29}
